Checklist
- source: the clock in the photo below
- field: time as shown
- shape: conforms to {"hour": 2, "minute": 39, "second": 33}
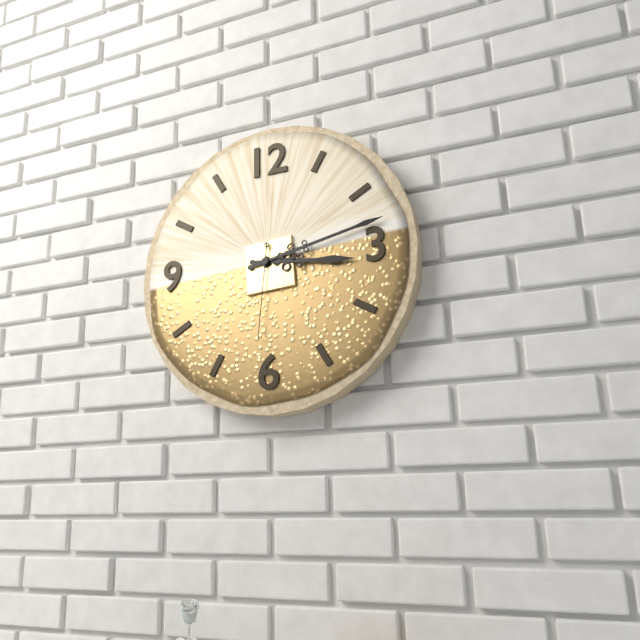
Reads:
{"hour": 3, "minute": 13, "second": 31}
